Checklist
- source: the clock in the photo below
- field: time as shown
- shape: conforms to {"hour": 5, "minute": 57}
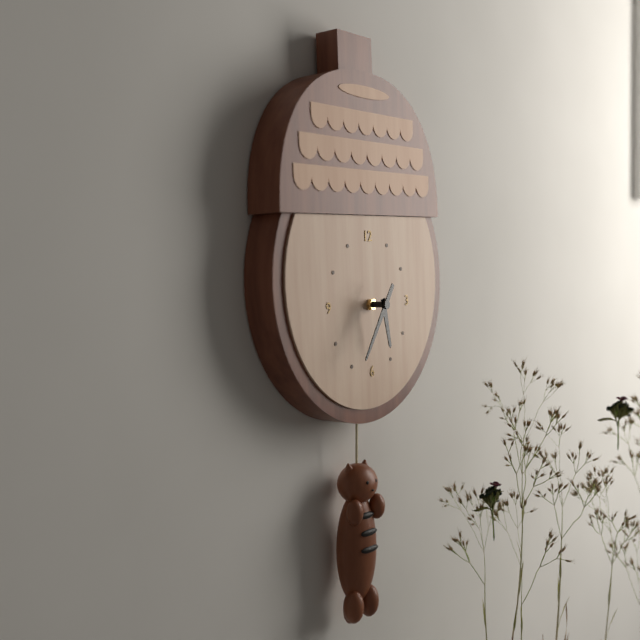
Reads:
{"hour": 5, "minute": 36}
